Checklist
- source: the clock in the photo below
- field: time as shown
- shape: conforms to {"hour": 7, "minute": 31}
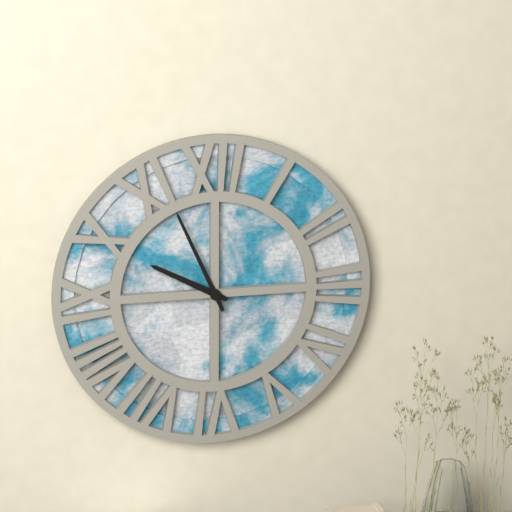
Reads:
{"hour": 9, "minute": 56}
